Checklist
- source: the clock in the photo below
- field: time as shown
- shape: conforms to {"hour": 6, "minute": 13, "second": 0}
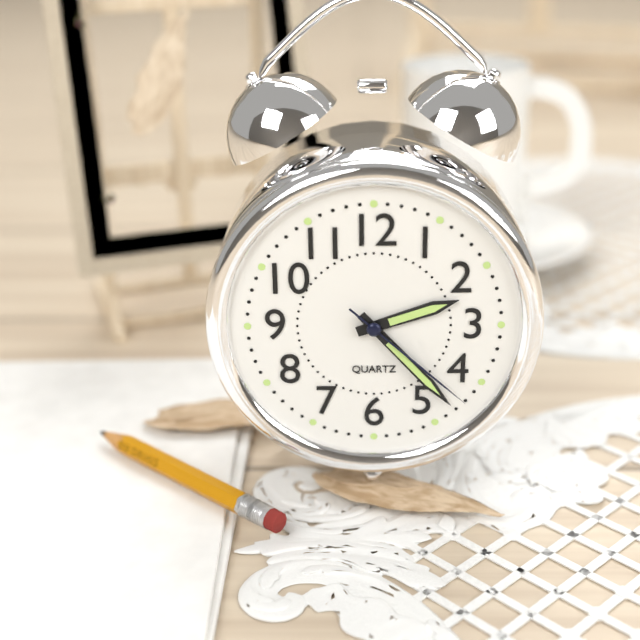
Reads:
{"hour": 2, "minute": 23, "second": 22}
